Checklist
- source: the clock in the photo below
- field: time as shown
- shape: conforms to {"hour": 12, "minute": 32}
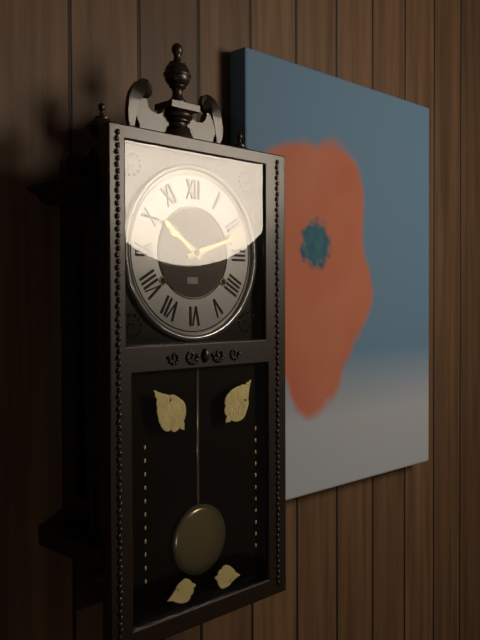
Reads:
{"hour": 10, "minute": 12}
